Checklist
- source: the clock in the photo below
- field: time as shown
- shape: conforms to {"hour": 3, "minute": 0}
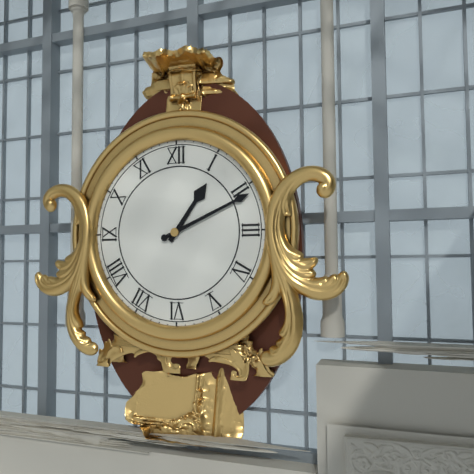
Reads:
{"hour": 1, "minute": 11}
